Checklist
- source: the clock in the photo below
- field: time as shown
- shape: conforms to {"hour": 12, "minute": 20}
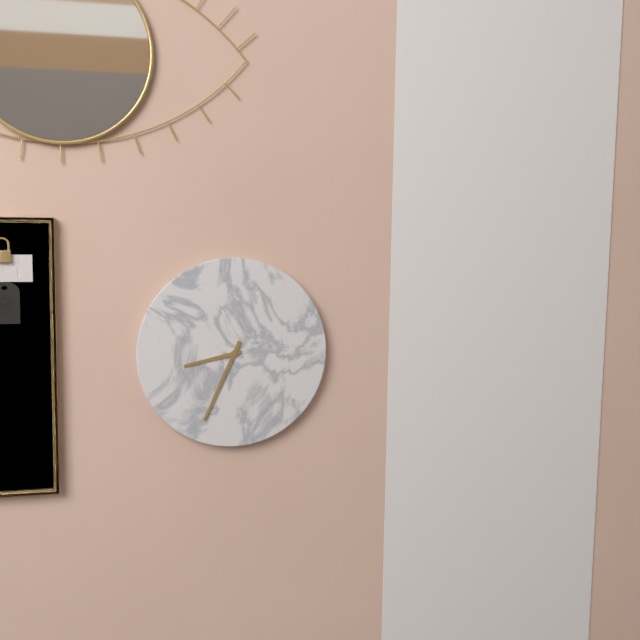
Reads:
{"hour": 8, "minute": 34}
